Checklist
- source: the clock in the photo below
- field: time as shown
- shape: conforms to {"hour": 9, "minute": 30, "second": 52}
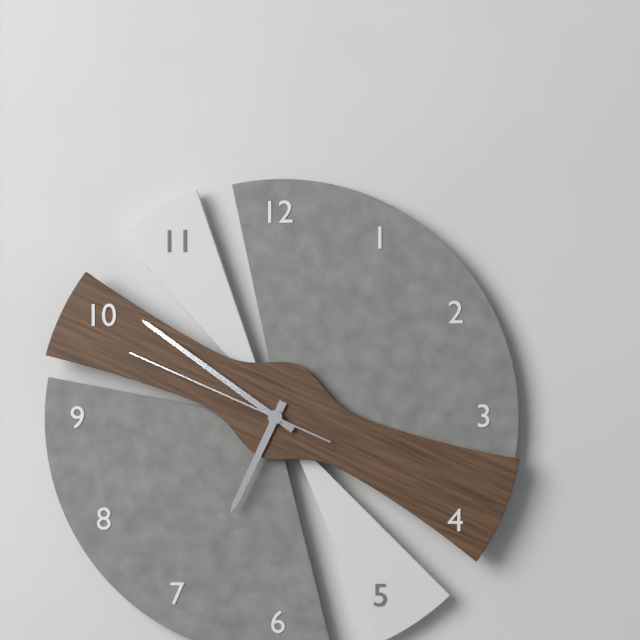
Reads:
{"hour": 6, "minute": 51, "second": 49}
